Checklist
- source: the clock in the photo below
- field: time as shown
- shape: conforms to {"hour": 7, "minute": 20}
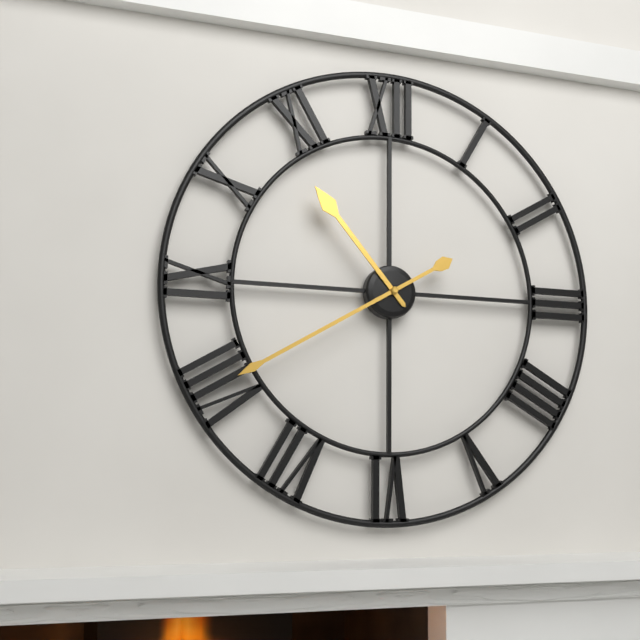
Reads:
{"hour": 10, "minute": 40}
